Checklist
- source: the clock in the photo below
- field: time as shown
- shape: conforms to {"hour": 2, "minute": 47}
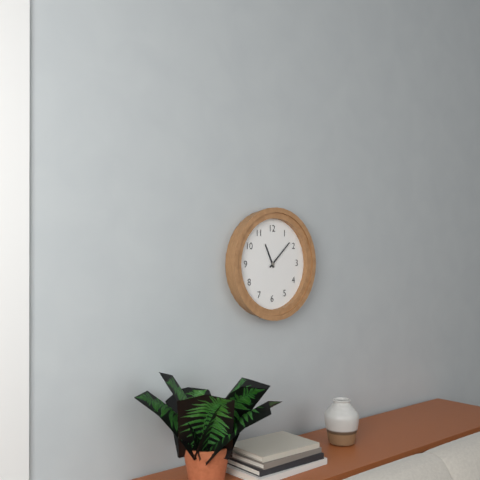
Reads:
{"hour": 11, "minute": 8}
